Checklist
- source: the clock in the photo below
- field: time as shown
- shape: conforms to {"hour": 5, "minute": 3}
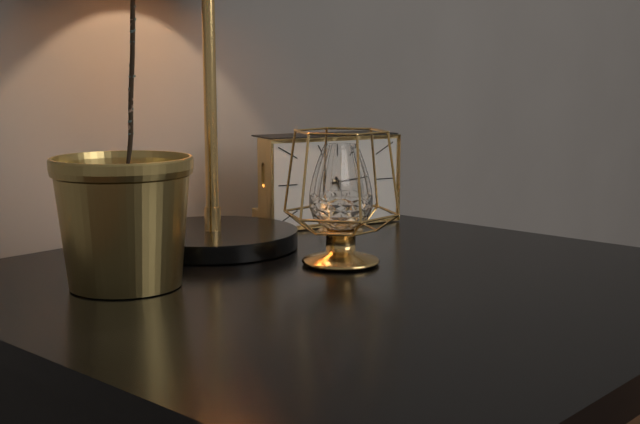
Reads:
{"hour": 5, "minute": 14}
